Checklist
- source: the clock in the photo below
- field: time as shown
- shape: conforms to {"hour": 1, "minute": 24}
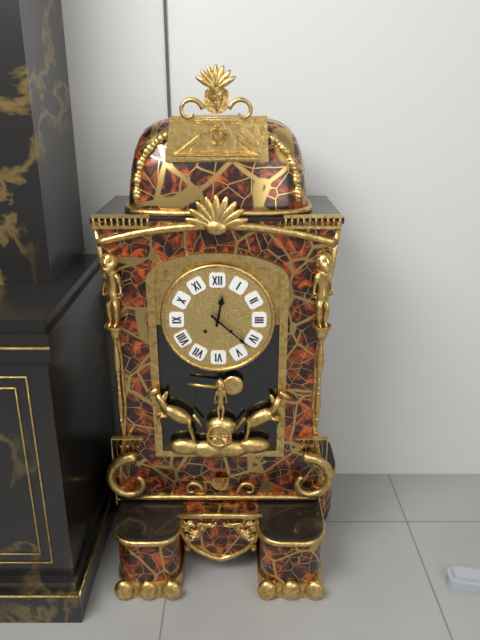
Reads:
{"hour": 12, "minute": 22}
